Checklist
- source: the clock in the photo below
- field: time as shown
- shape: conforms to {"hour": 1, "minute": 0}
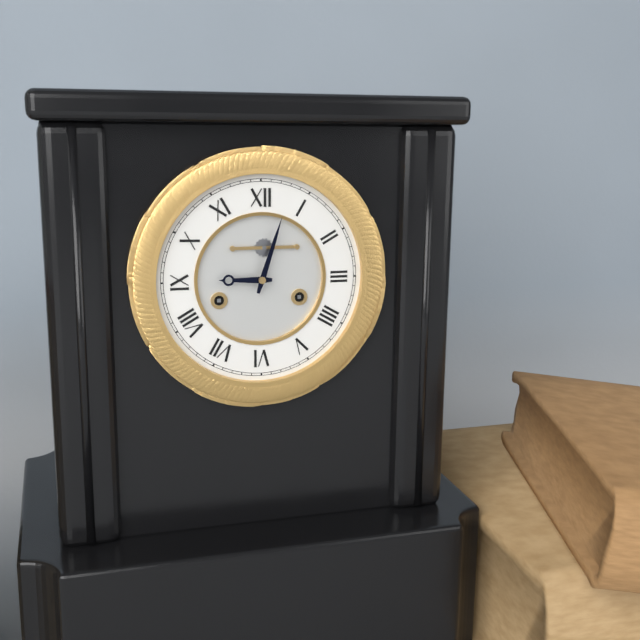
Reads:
{"hour": 9, "minute": 3}
